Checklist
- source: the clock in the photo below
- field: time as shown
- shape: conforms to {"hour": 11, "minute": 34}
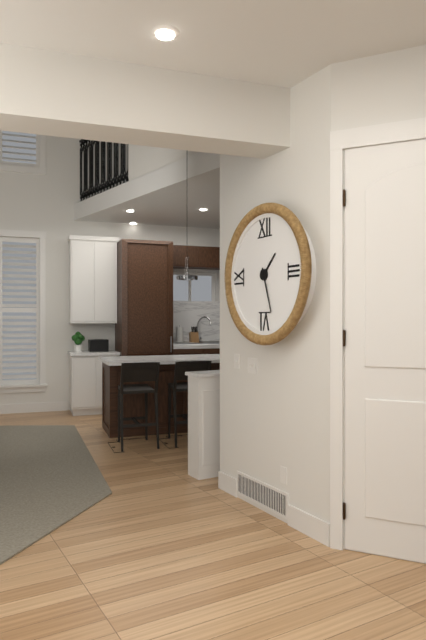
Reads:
{"hour": 1, "minute": 27}
